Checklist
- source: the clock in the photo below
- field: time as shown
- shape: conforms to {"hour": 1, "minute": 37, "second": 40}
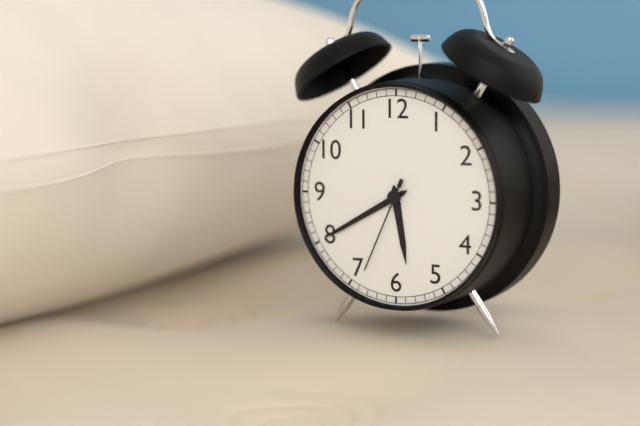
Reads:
{"hour": 5, "minute": 40, "second": 34}
